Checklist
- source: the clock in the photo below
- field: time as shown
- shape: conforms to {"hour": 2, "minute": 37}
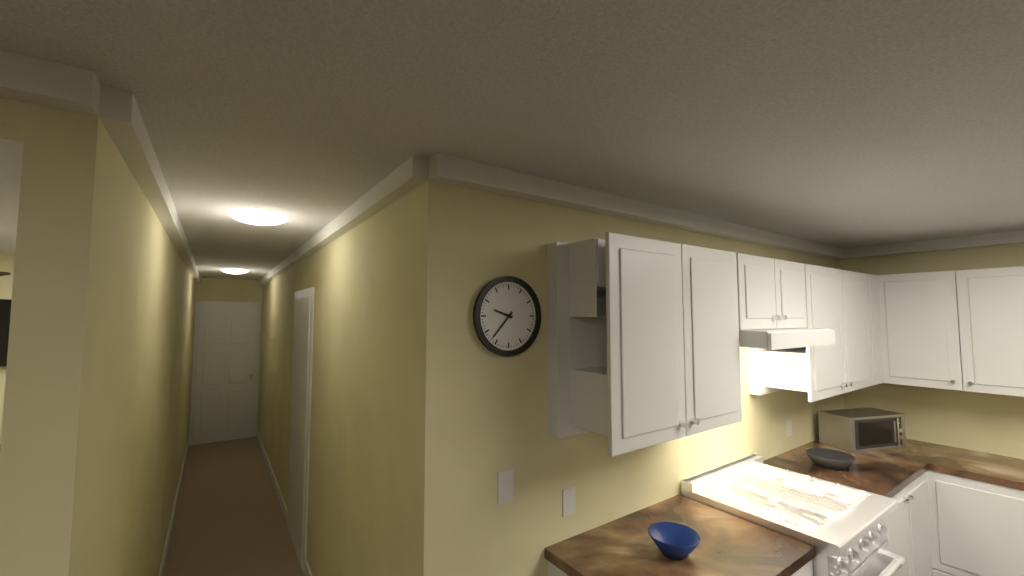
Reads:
{"hour": 9, "minute": 37}
